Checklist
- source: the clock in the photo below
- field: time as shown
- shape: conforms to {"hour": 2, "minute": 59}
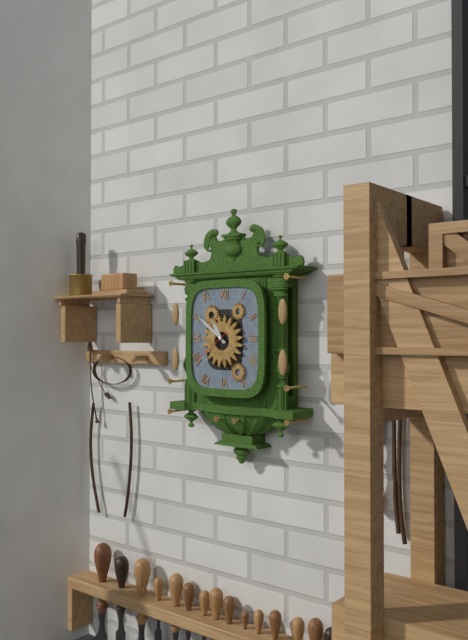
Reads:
{"hour": 10, "minute": 51}
